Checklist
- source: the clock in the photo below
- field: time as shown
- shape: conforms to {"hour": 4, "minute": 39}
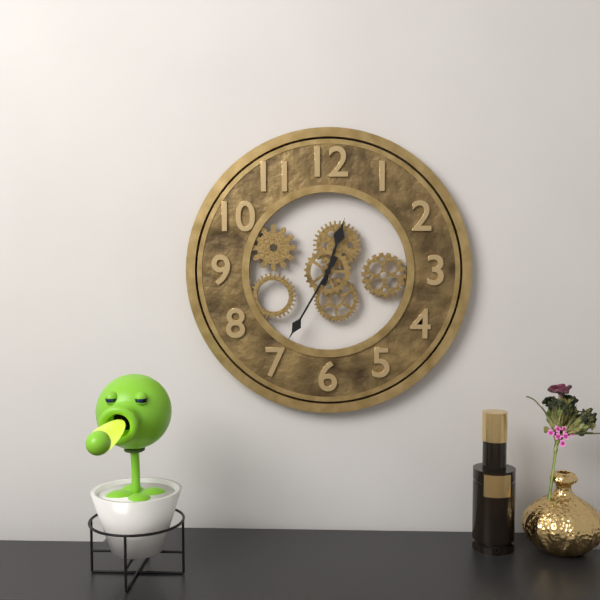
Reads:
{"hour": 12, "minute": 35}
